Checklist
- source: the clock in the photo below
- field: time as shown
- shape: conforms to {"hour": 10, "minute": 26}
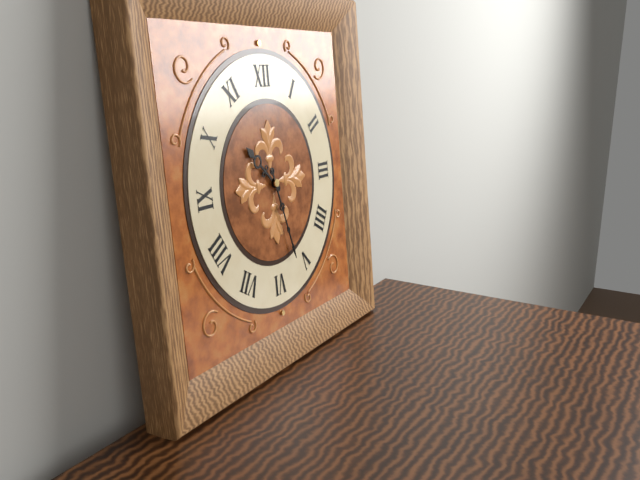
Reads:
{"hour": 10, "minute": 27}
